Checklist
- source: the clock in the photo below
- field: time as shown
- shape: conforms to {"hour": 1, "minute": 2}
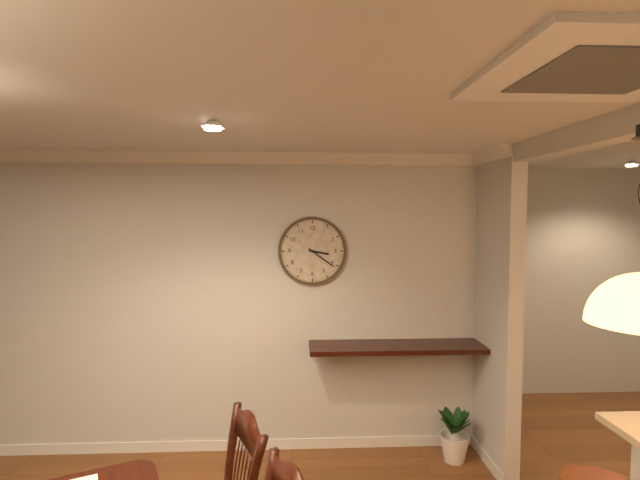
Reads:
{"hour": 3, "minute": 21}
